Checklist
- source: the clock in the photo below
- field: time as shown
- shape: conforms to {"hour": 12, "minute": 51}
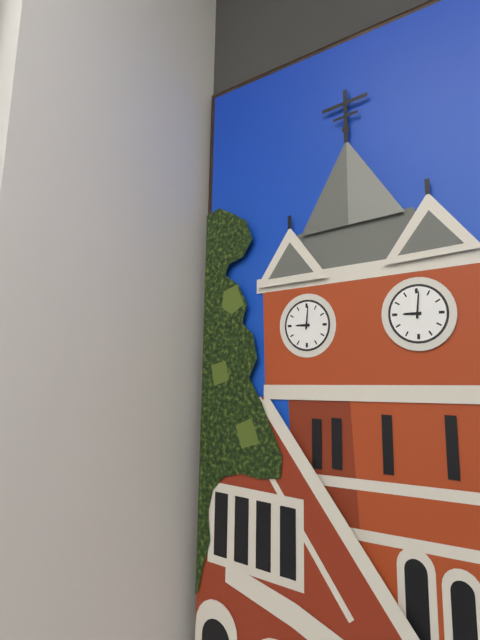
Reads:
{"hour": 9, "minute": 1}
